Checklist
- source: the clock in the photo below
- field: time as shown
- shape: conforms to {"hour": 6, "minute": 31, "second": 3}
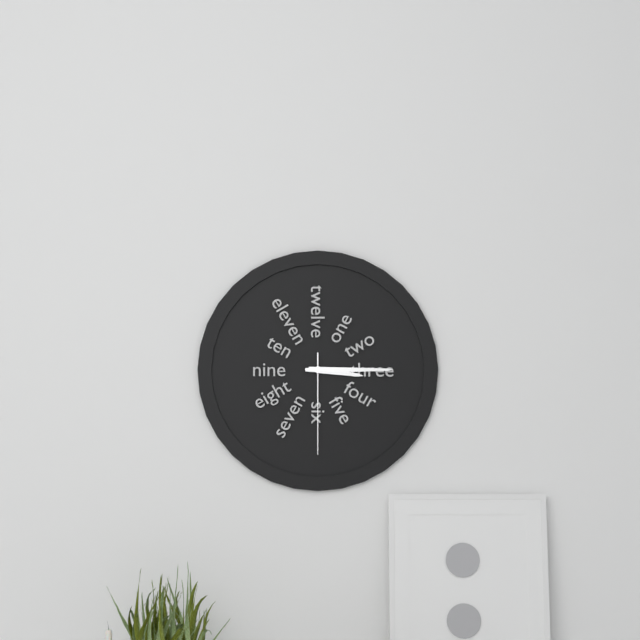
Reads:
{"hour": 3, "minute": 15, "second": 30}
